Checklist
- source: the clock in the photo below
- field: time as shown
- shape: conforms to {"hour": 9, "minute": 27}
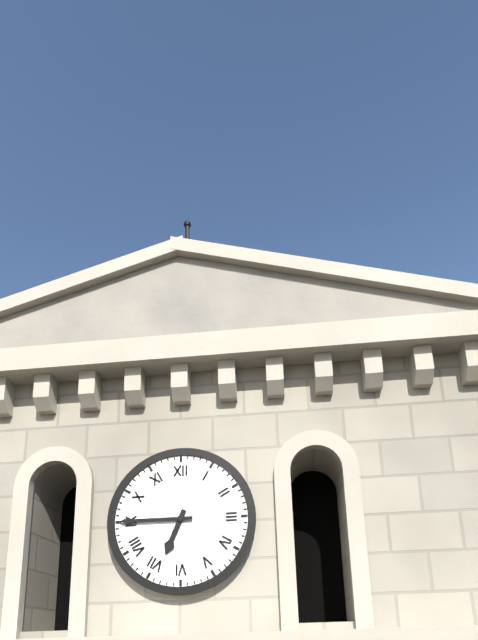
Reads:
{"hour": 6, "minute": 45}
